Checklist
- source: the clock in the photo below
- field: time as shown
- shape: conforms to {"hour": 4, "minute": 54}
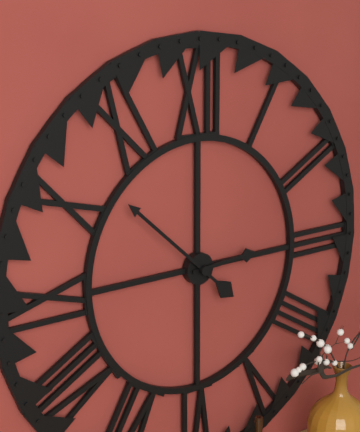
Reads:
{"hour": 2, "minute": 52}
